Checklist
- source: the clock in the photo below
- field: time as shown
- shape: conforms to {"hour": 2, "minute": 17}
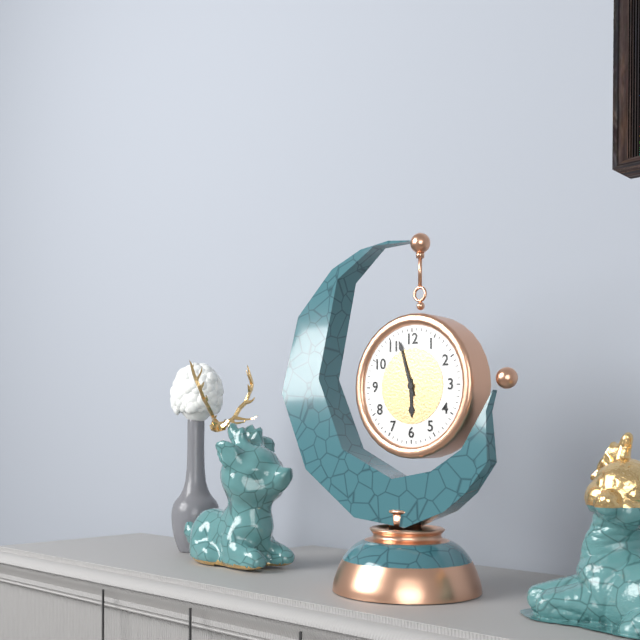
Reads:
{"hour": 5, "minute": 57}
